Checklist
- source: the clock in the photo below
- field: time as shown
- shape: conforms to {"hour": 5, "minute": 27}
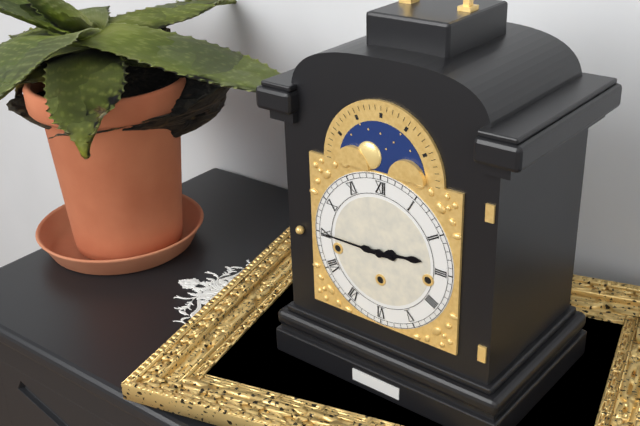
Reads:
{"hour": 2, "minute": 45}
